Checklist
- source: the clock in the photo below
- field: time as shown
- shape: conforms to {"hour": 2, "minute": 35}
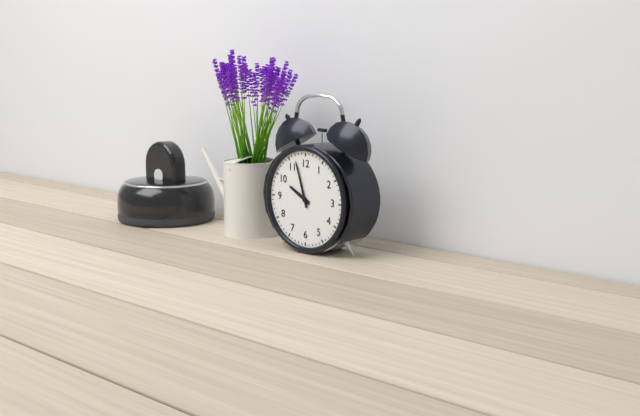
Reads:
{"hour": 9, "minute": 57}
